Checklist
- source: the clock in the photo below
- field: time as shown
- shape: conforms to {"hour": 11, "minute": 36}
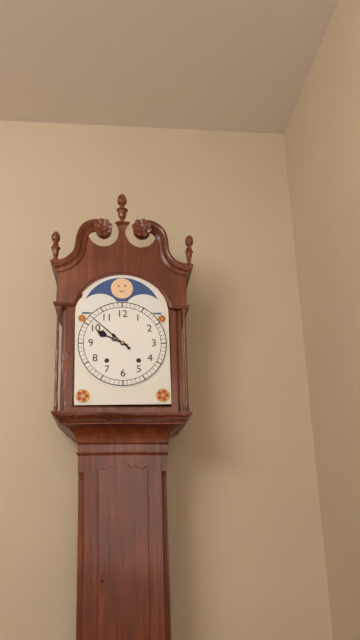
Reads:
{"hour": 9, "minute": 52}
